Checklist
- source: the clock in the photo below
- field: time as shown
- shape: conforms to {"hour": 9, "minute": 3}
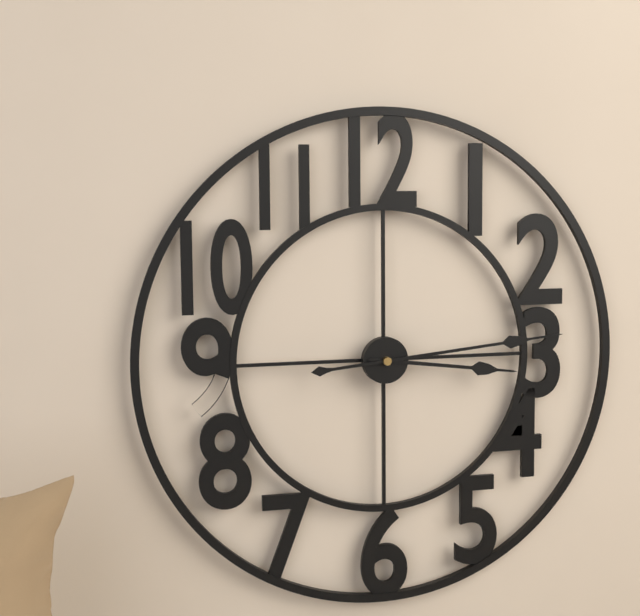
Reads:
{"hour": 3, "minute": 14}
